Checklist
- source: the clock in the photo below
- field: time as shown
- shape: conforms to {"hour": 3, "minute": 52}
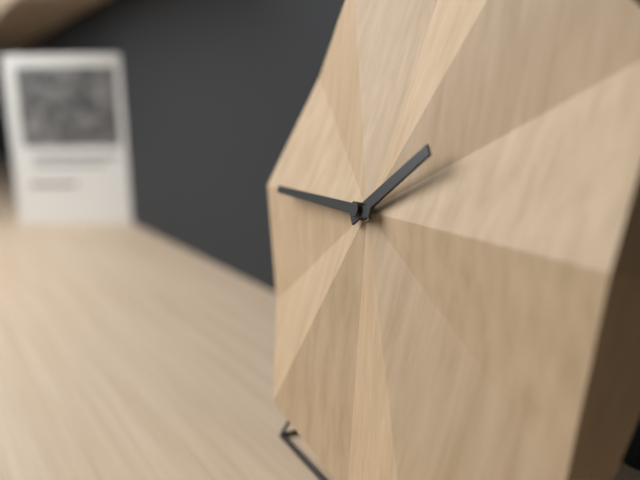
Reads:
{"hour": 1, "minute": 45}
